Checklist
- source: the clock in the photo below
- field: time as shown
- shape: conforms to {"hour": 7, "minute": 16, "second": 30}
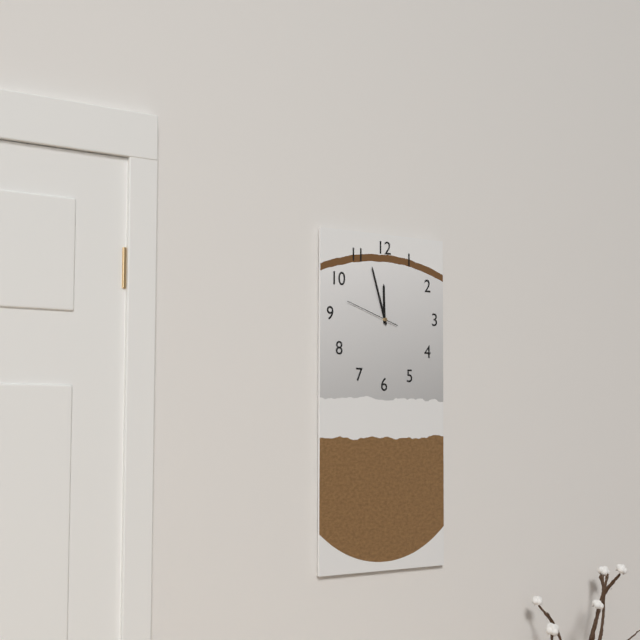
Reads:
{"hour": 11, "minute": 57, "second": 48}
